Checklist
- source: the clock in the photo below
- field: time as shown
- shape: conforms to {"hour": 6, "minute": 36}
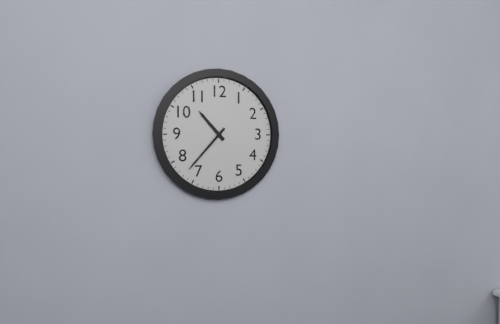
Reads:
{"hour": 10, "minute": 37}
